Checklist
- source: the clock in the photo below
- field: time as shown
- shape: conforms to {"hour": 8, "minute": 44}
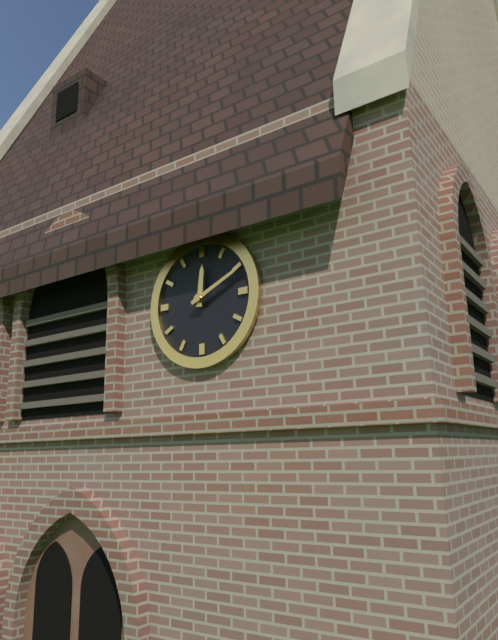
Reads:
{"hour": 12, "minute": 11}
